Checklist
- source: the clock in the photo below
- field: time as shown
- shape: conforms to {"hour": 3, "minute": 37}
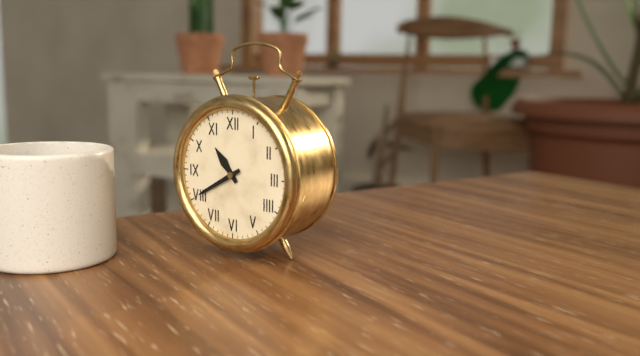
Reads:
{"hour": 10, "minute": 40}
